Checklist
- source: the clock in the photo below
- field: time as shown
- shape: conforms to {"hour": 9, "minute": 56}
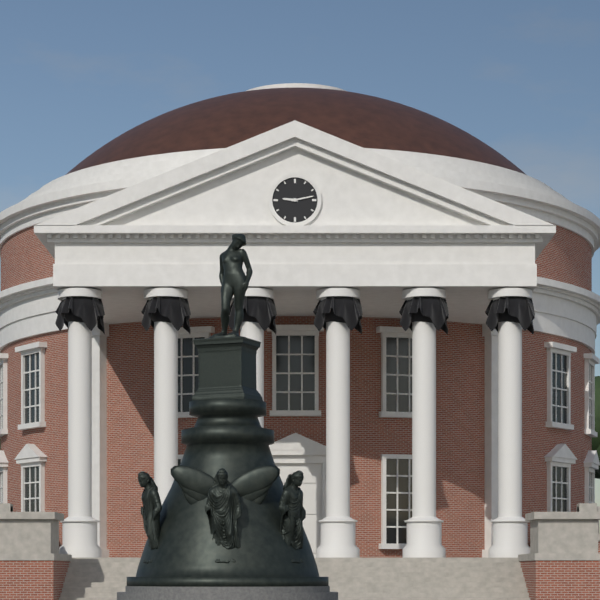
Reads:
{"hour": 9, "minute": 13}
